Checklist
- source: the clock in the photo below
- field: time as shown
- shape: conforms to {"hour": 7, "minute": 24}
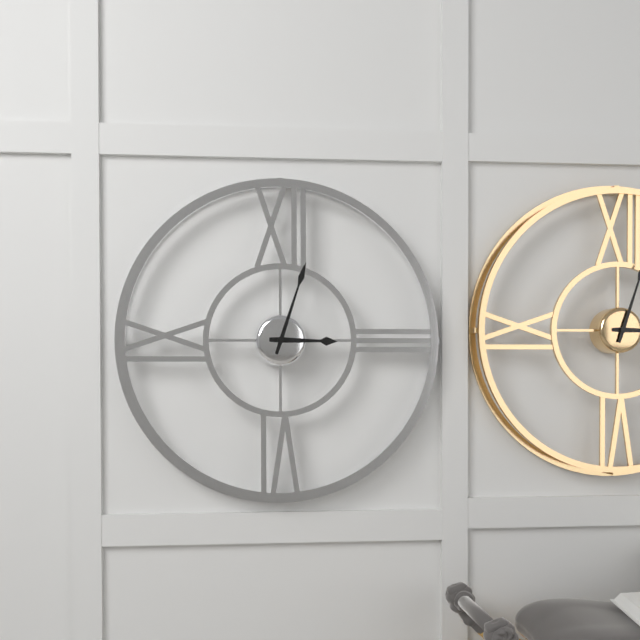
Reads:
{"hour": 3, "minute": 3}
